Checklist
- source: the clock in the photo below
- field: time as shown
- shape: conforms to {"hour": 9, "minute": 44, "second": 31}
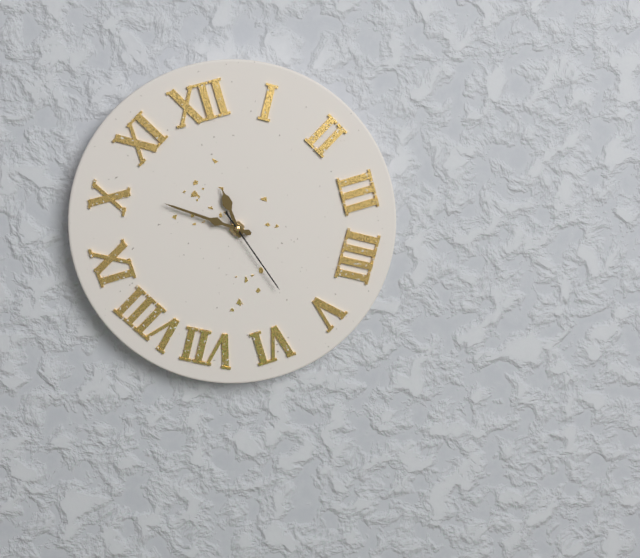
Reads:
{"hour": 11, "minute": 51, "second": 27}
